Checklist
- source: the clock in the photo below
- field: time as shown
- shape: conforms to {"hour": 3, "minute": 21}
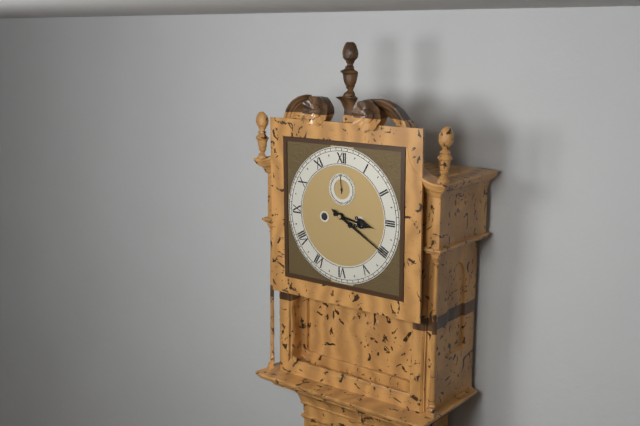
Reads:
{"hour": 3, "minute": 20}
